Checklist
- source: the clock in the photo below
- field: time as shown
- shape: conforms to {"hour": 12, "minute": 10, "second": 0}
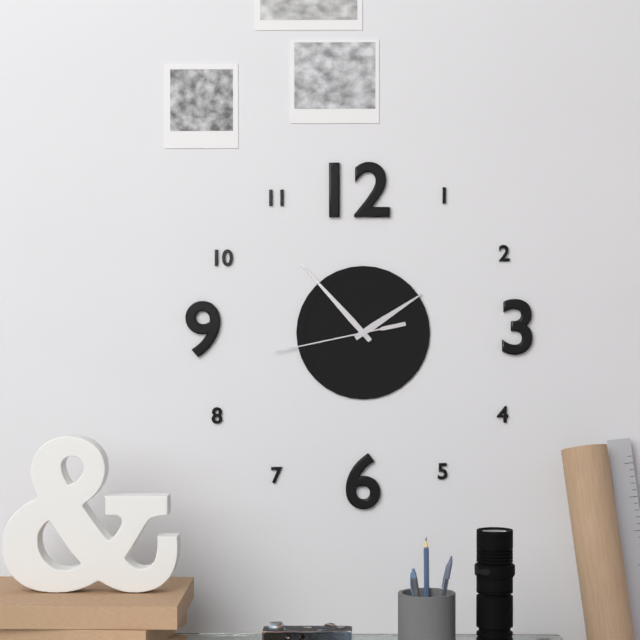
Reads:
{"hour": 1, "minute": 53, "second": 43}
